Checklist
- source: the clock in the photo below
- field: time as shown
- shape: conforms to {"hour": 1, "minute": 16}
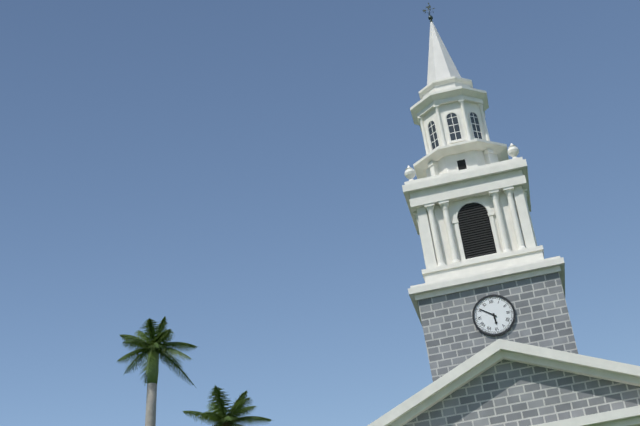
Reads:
{"hour": 5, "minute": 51}
